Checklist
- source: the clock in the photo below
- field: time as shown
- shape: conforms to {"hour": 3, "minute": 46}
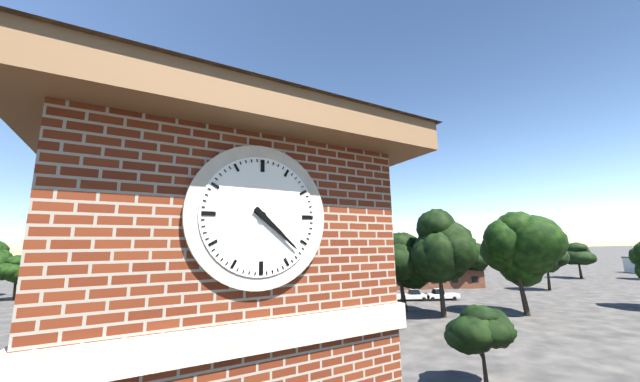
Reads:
{"hour": 4, "minute": 22}
